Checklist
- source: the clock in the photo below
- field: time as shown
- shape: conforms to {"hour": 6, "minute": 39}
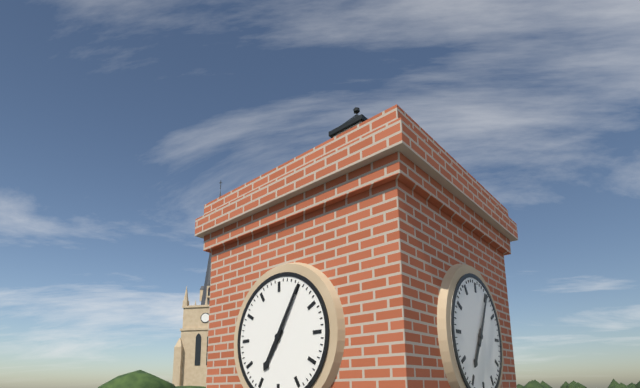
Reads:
{"hour": 7, "minute": 5}
